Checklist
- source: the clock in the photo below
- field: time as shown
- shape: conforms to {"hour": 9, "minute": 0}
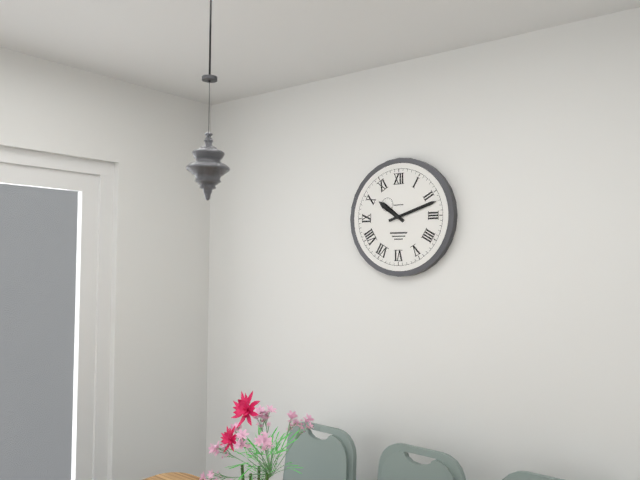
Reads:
{"hour": 10, "minute": 12}
